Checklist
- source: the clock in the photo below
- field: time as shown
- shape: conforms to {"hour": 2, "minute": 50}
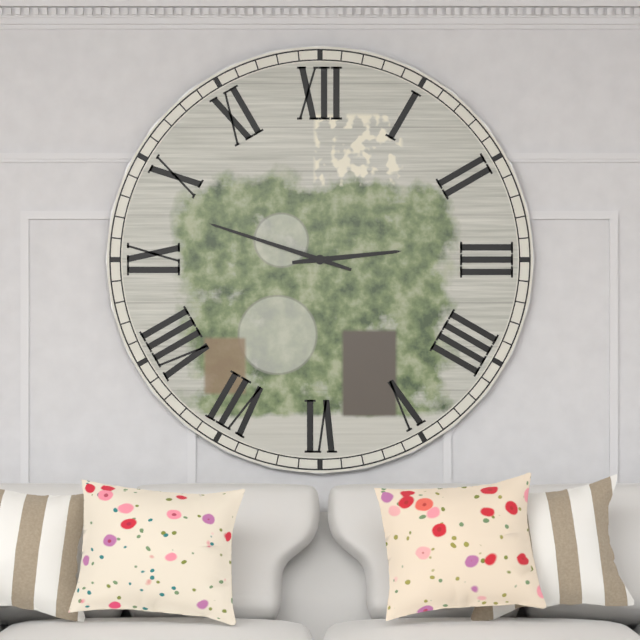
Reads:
{"hour": 2, "minute": 48}
